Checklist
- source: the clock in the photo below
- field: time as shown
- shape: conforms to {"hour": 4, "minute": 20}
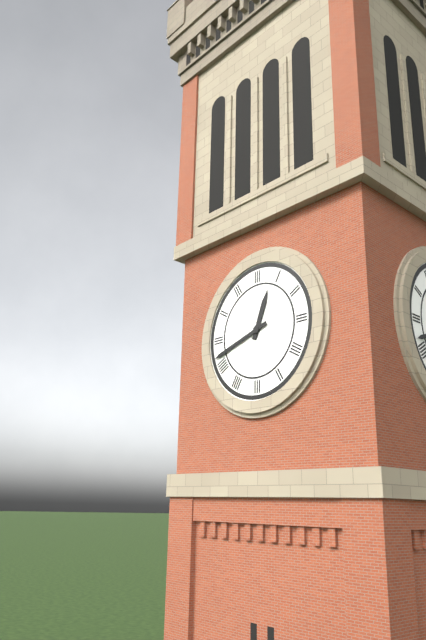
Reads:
{"hour": 12, "minute": 42}
